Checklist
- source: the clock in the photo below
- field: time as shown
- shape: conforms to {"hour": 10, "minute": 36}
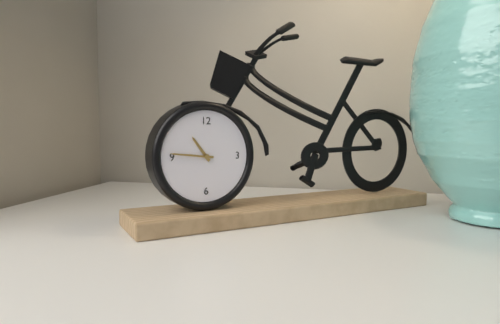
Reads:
{"hour": 10, "minute": 46}
